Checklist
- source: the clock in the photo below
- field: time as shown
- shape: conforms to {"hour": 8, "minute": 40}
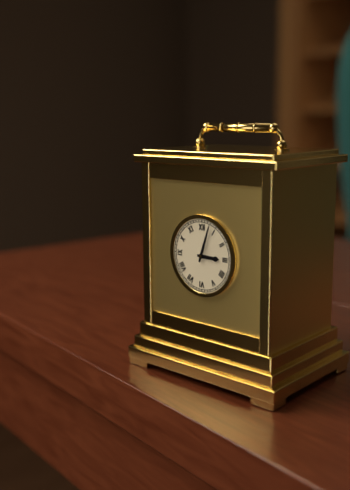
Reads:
{"hour": 3, "minute": 3}
